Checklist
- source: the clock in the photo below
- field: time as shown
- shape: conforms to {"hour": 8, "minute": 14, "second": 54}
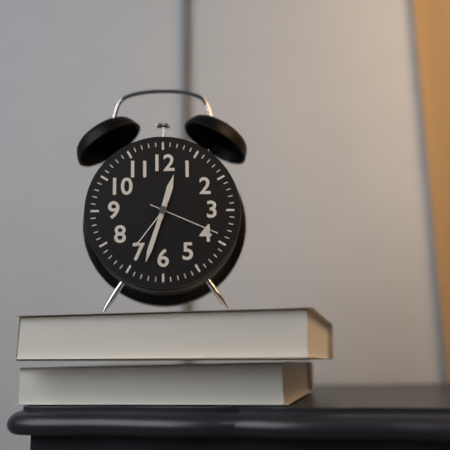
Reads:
{"hour": 12, "minute": 33, "second": 19}
